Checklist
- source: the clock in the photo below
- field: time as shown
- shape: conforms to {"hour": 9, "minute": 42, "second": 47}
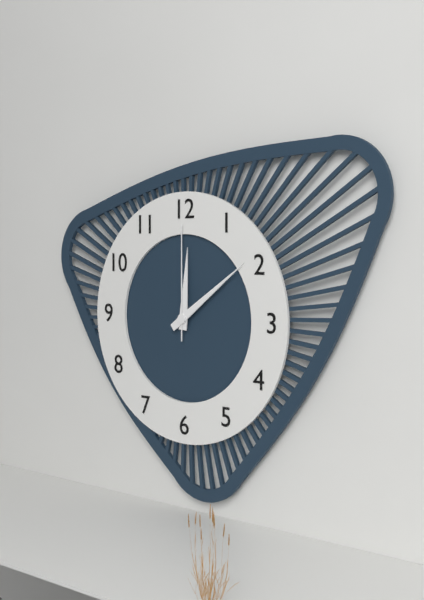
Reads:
{"hour": 12, "minute": 9, "second": 0}
